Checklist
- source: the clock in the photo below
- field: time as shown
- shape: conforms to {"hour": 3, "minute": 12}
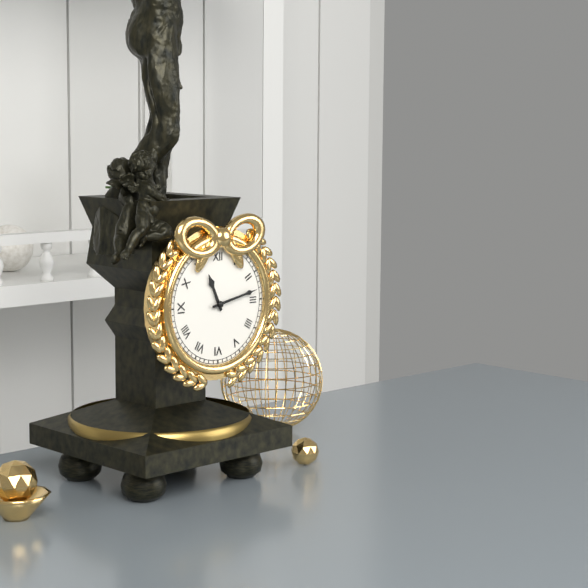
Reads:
{"hour": 11, "minute": 13}
